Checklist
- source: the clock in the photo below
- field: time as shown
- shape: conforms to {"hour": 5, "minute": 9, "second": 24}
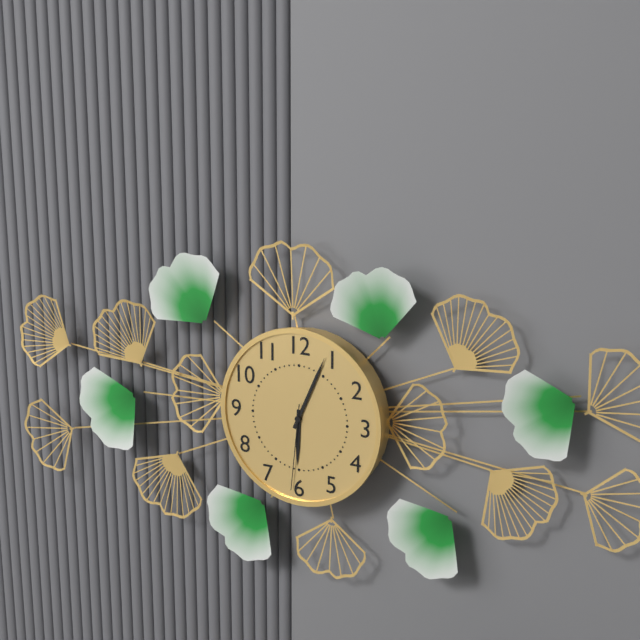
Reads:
{"hour": 6, "minute": 4, "second": 31}
